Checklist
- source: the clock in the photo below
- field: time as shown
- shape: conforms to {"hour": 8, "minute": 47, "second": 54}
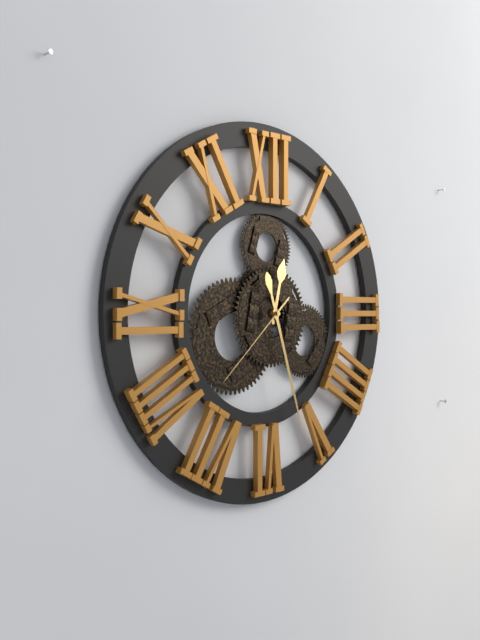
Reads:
{"hour": 12, "minute": 27, "second": 38}
